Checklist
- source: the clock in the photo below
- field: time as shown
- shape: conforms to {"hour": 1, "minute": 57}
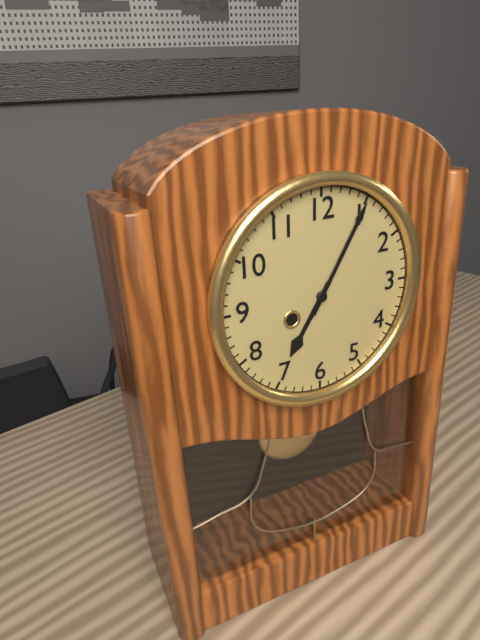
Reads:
{"hour": 7, "minute": 5}
